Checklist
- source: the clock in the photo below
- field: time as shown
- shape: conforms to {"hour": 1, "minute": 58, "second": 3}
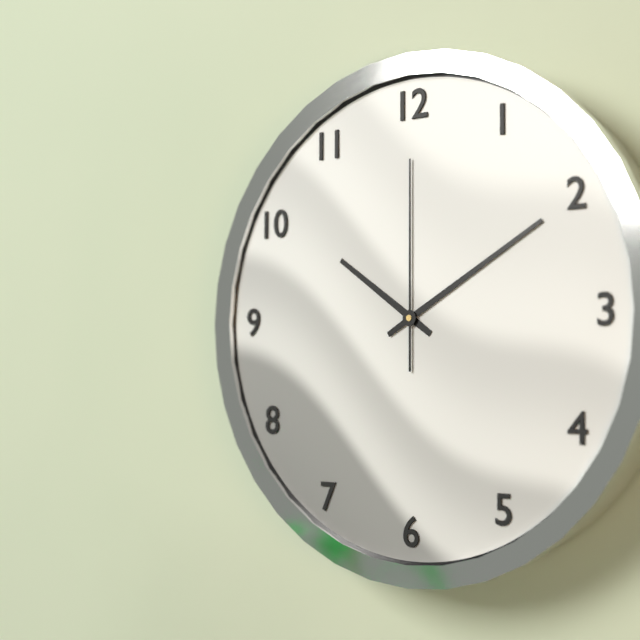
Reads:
{"hour": 10, "minute": 10, "second": 0}
